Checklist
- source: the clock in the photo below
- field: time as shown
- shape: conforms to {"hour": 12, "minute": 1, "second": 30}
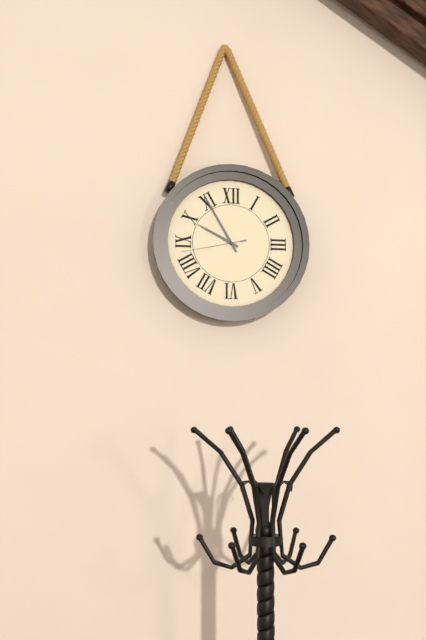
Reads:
{"hour": 9, "minute": 55, "second": 43}
